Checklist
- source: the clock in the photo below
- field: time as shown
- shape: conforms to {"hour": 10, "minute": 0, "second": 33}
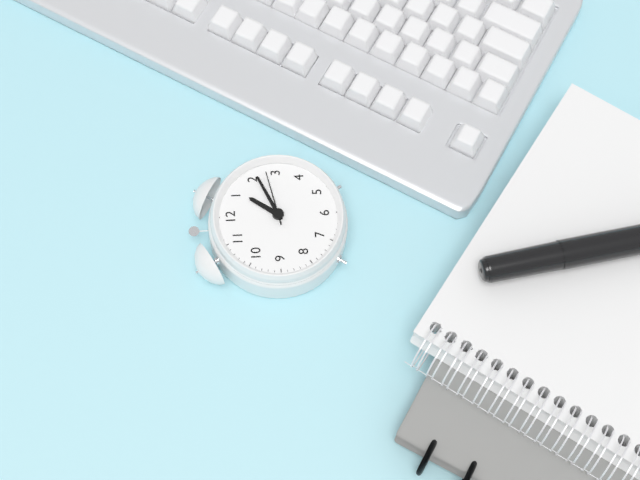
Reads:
{"hour": 1, "minute": 11, "second": 13}
